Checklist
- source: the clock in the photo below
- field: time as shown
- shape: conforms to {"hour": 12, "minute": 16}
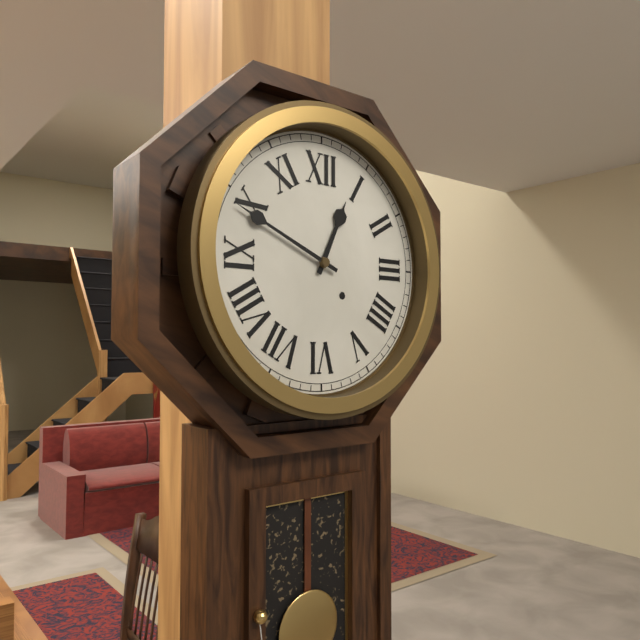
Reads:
{"hour": 12, "minute": 49}
